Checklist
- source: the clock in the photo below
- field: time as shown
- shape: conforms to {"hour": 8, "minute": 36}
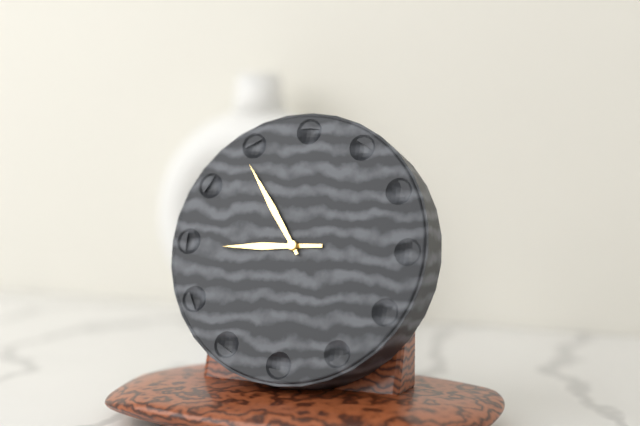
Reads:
{"hour": 8, "minute": 54}
